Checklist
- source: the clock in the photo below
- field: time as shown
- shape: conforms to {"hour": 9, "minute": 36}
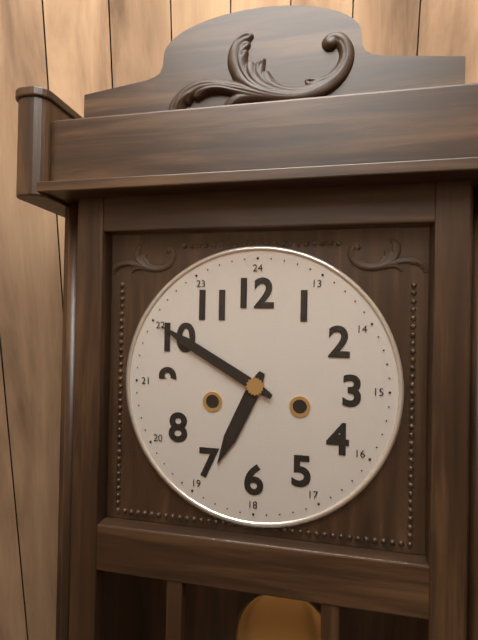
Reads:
{"hour": 6, "minute": 50}
